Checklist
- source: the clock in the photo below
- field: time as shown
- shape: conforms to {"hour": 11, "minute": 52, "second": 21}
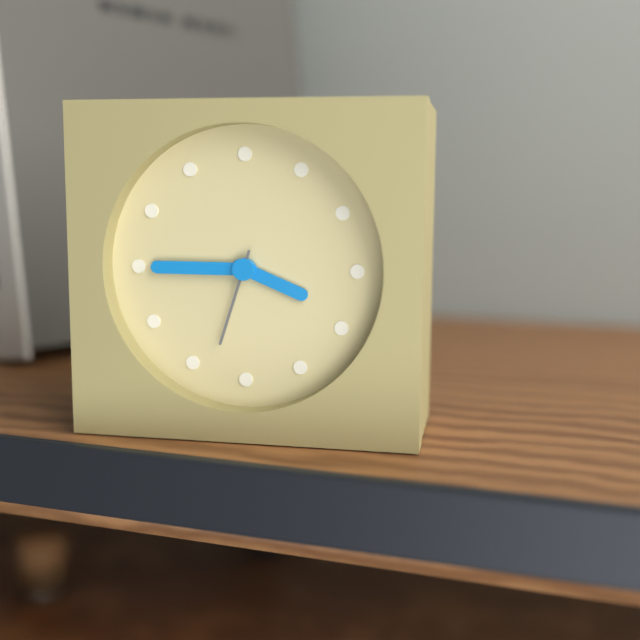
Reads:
{"hour": 3, "minute": 45, "second": 33}
